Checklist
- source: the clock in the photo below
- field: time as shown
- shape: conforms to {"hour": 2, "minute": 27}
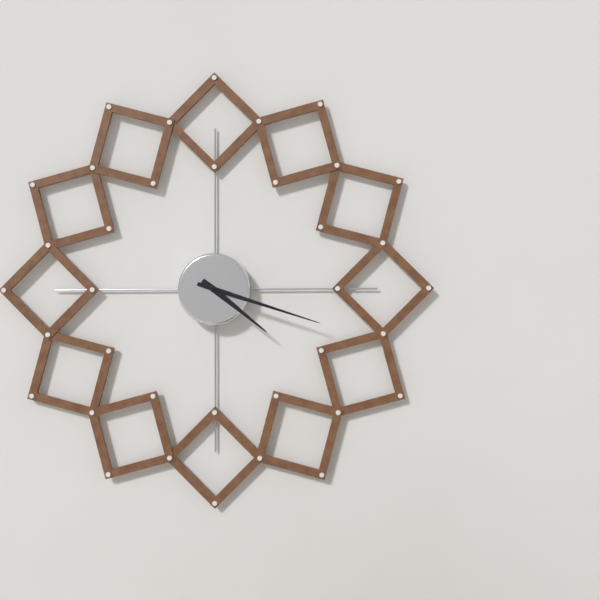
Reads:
{"hour": 4, "minute": 18}
